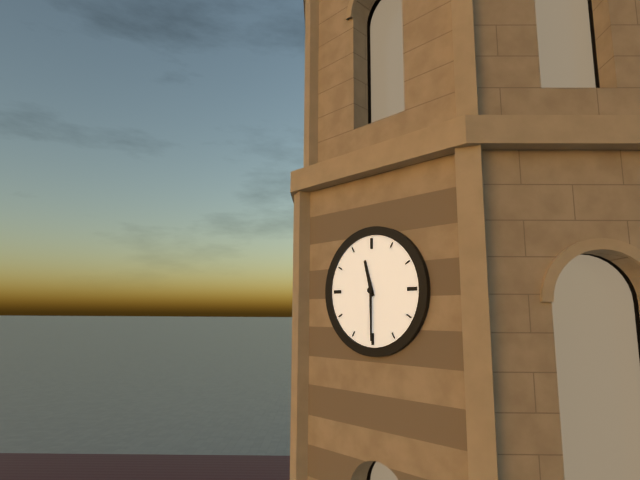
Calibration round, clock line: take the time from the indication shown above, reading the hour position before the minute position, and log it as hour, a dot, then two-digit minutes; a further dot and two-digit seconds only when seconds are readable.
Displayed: 11.30
